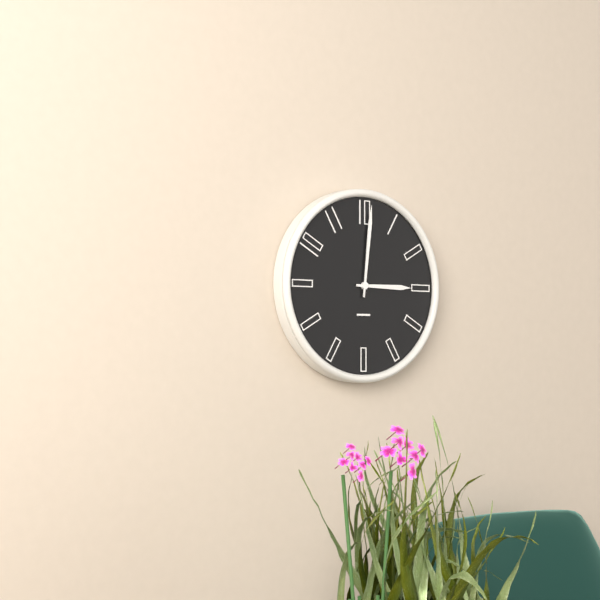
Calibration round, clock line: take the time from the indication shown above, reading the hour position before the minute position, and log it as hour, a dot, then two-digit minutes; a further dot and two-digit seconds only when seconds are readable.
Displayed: 3.01
